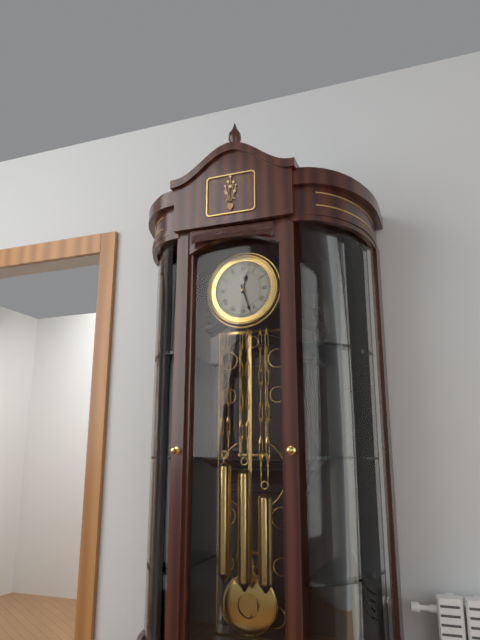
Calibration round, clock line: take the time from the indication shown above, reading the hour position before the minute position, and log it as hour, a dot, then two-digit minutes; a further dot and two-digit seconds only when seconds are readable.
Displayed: 12.27
